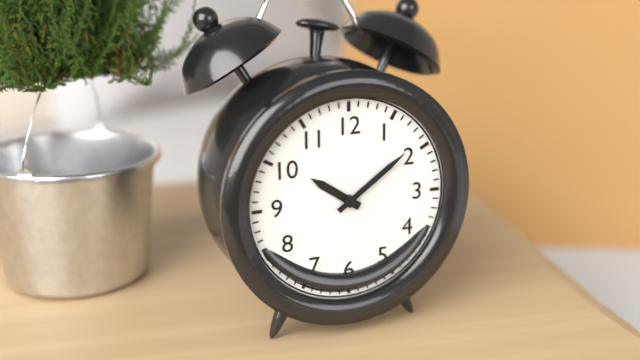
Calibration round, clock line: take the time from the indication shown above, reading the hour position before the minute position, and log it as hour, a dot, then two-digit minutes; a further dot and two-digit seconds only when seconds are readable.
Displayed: 10.09
